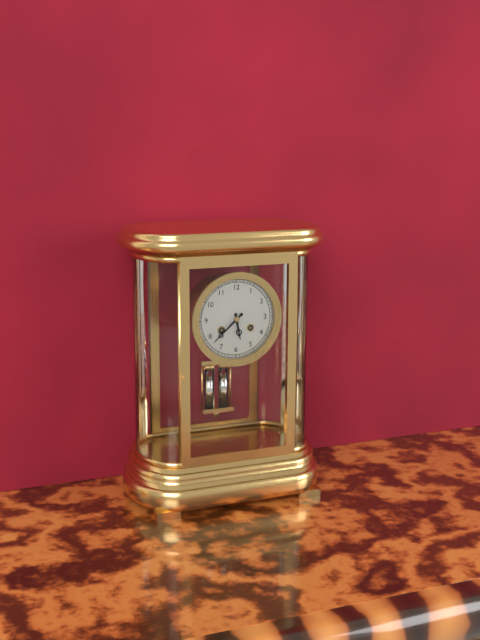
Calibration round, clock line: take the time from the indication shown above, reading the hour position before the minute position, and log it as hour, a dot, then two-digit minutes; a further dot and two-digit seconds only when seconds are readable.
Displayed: 5.38
